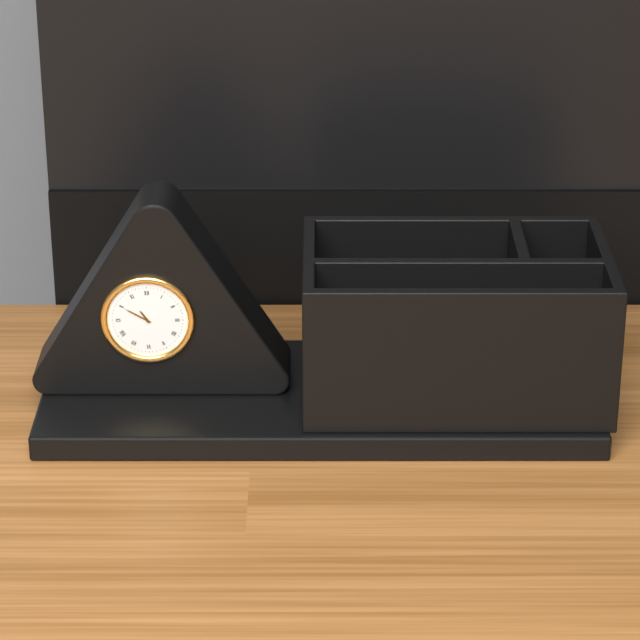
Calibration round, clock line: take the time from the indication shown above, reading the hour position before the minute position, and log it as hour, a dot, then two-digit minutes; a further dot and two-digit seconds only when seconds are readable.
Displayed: 10.50
